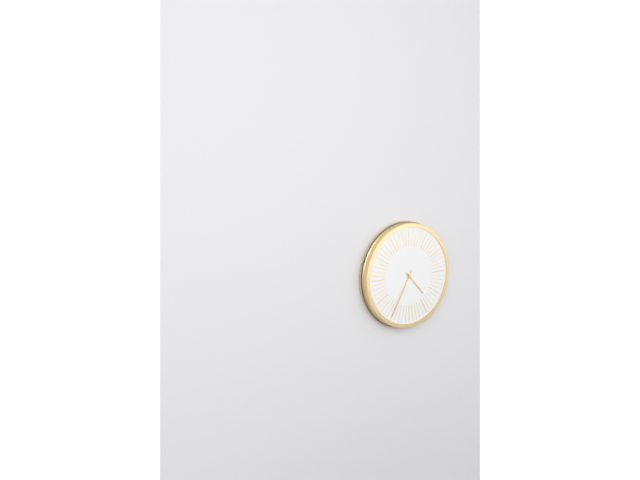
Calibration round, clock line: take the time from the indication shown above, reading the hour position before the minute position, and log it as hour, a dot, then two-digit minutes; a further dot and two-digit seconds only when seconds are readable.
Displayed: 4.35
